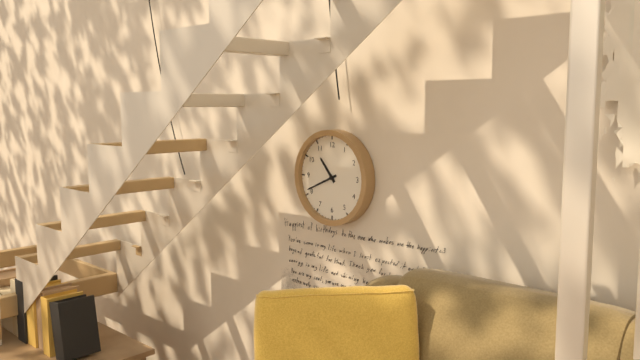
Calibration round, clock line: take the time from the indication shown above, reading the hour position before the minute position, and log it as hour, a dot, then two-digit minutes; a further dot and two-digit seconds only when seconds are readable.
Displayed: 10.41
